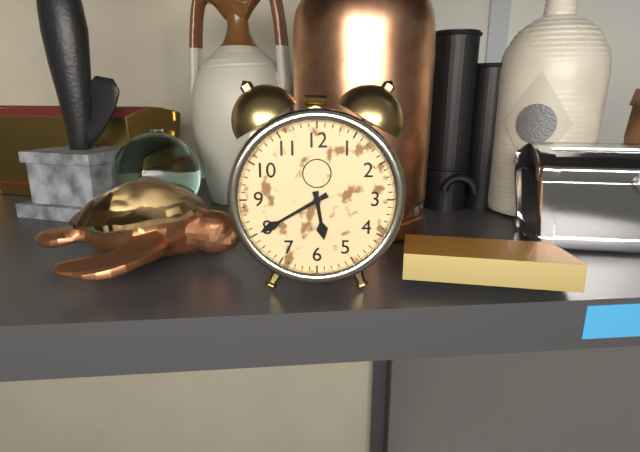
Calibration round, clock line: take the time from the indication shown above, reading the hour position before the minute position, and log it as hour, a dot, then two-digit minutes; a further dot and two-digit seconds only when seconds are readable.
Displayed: 5.40
